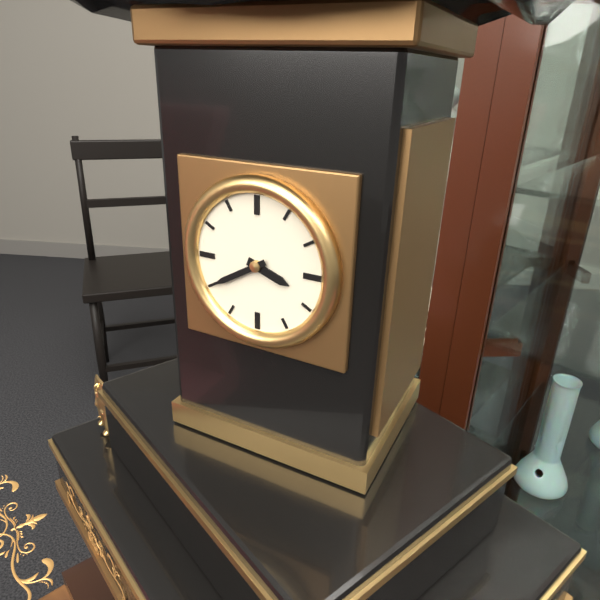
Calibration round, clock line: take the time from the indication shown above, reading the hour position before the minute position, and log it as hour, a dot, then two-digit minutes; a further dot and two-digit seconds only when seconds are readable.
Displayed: 3.40
